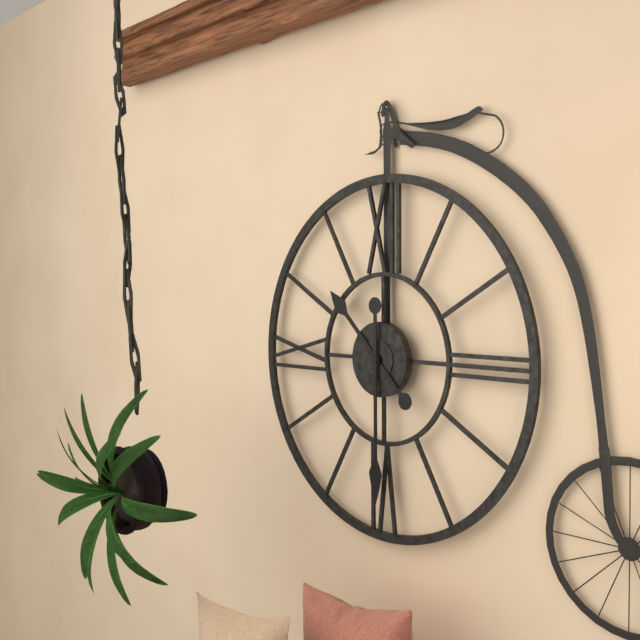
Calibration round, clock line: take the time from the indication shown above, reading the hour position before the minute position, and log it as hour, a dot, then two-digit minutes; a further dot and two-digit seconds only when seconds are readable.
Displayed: 10.30
